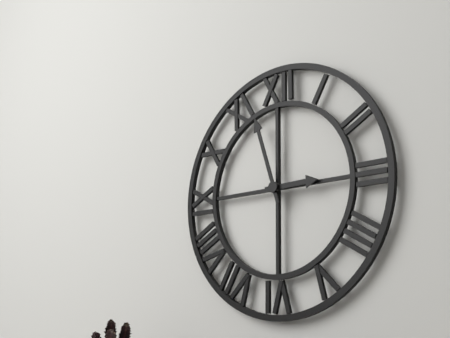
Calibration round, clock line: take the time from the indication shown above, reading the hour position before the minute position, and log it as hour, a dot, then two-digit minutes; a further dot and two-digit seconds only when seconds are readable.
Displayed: 2.57
